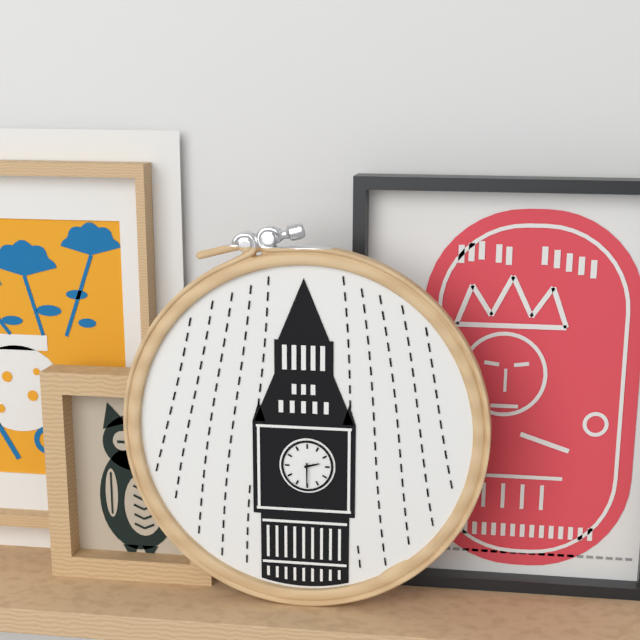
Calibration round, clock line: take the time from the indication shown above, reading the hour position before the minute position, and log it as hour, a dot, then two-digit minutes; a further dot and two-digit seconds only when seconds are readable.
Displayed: 2.30
